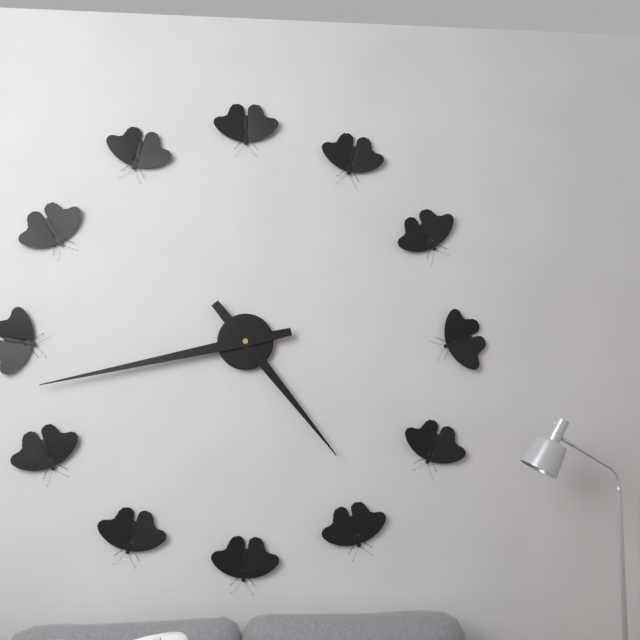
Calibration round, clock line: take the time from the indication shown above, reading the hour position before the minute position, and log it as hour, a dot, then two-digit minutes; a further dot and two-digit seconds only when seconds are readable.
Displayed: 4.43
